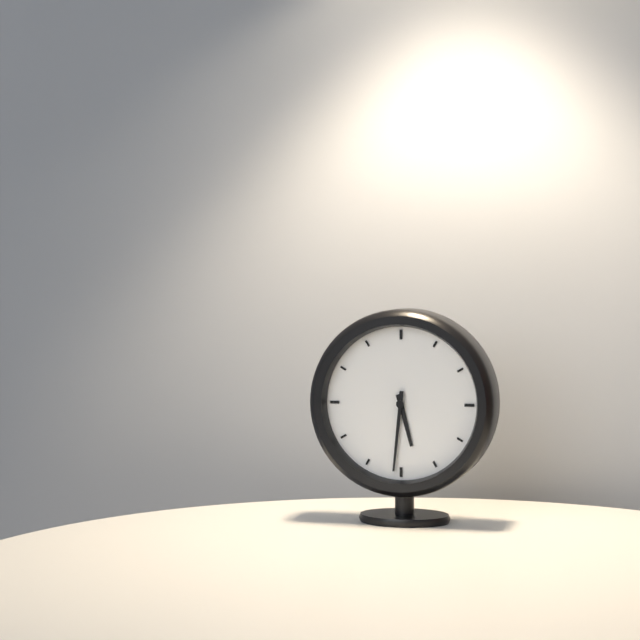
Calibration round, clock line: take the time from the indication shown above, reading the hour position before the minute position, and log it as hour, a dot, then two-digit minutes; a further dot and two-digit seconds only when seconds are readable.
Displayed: 5.31
